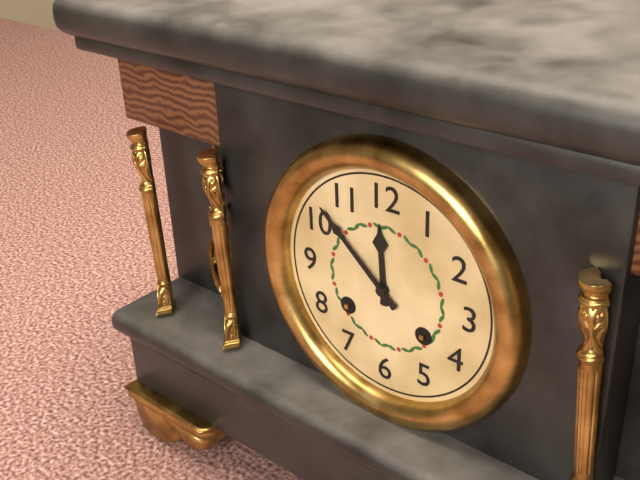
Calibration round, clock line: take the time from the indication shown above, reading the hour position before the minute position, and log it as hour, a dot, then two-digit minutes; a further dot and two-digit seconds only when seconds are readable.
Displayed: 11.52
